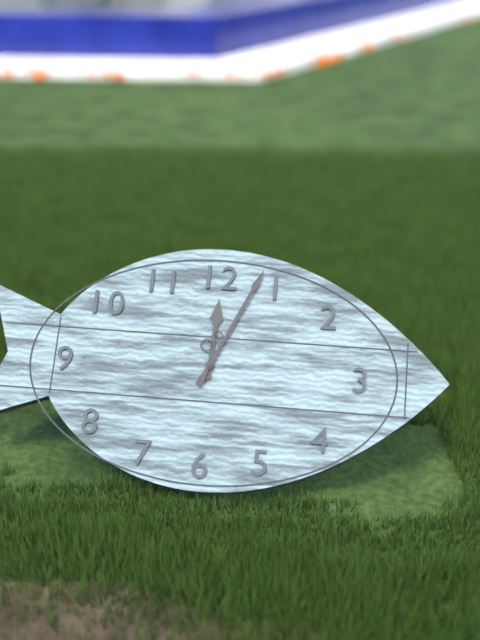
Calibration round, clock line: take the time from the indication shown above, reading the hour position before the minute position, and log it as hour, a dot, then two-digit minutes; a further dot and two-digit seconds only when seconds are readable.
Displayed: 12.04
